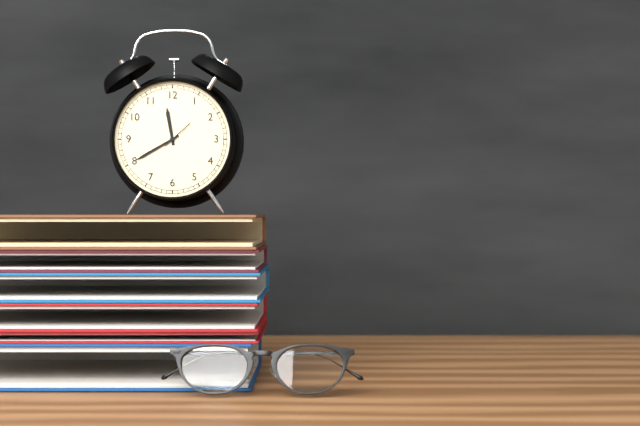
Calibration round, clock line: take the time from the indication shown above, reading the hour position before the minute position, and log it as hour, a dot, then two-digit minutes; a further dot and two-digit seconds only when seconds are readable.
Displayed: 11.40
